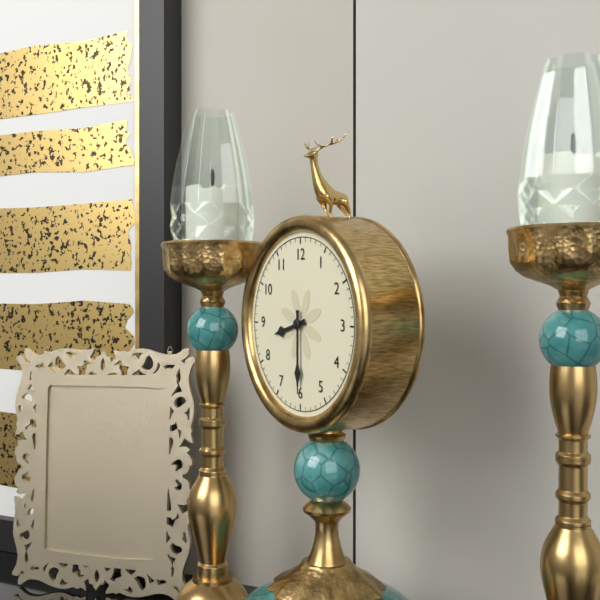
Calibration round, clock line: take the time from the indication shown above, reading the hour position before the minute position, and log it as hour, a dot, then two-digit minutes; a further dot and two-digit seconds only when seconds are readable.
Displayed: 8.30
